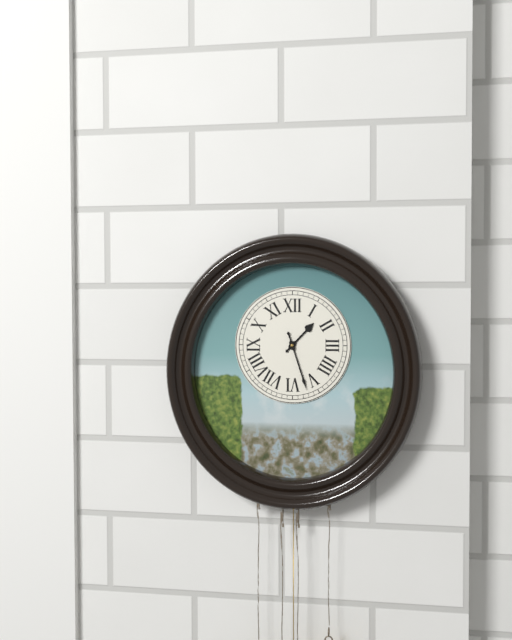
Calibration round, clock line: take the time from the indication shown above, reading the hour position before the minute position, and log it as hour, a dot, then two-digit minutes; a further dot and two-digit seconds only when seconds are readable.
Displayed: 1.27
